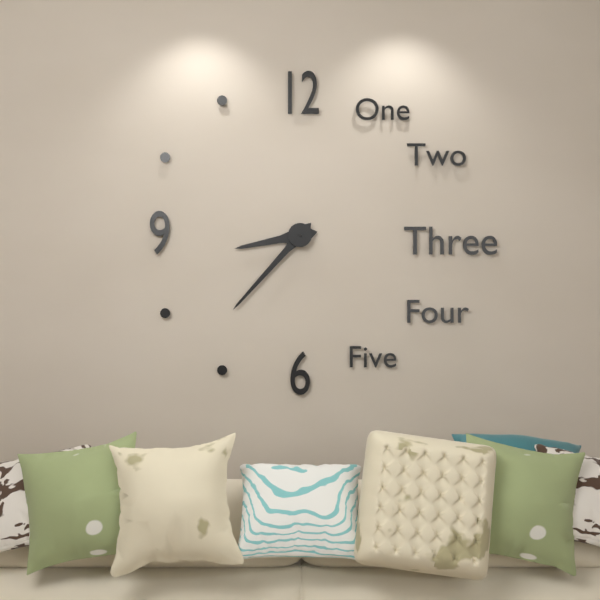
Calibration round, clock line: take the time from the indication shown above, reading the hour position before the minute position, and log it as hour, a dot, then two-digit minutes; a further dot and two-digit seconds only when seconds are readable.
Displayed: 8.37
